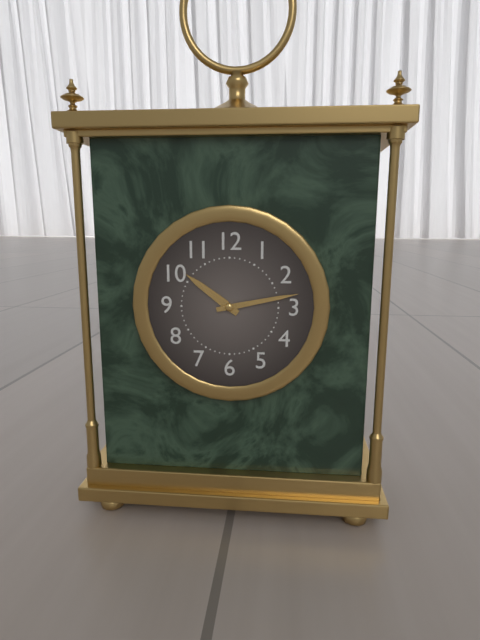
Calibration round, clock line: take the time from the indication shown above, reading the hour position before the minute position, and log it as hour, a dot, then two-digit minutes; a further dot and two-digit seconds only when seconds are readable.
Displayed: 10.13
